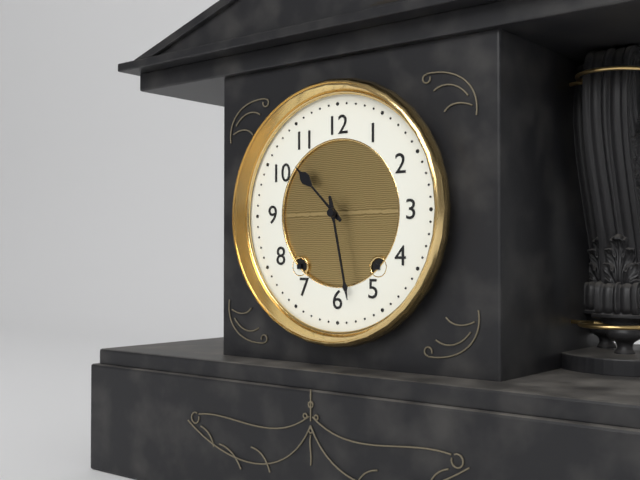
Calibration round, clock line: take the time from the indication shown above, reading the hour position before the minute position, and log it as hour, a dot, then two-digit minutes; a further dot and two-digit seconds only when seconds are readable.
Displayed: 10.28
